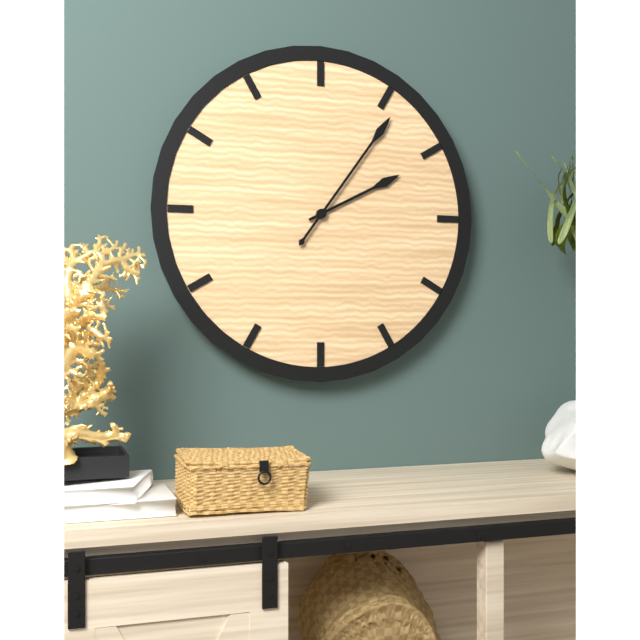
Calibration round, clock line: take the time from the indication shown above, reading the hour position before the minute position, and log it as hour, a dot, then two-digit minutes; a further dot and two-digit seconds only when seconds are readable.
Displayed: 2.06
